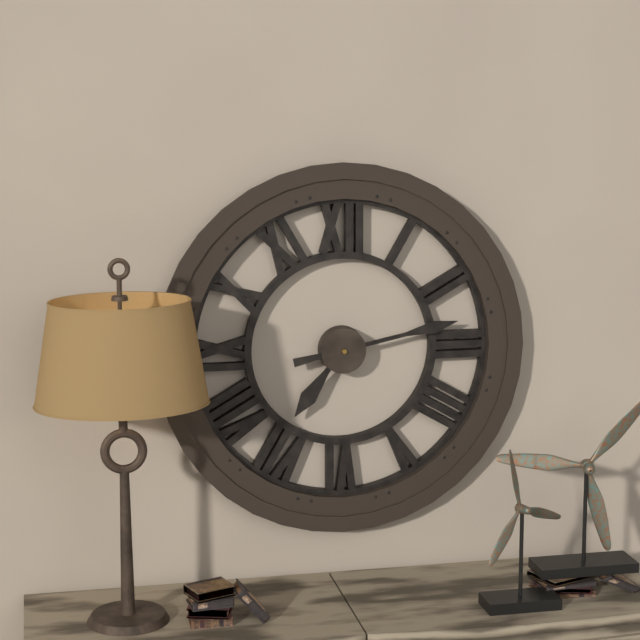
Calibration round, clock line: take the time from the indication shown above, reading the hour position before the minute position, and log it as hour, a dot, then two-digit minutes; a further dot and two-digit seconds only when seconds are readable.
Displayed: 7.13
